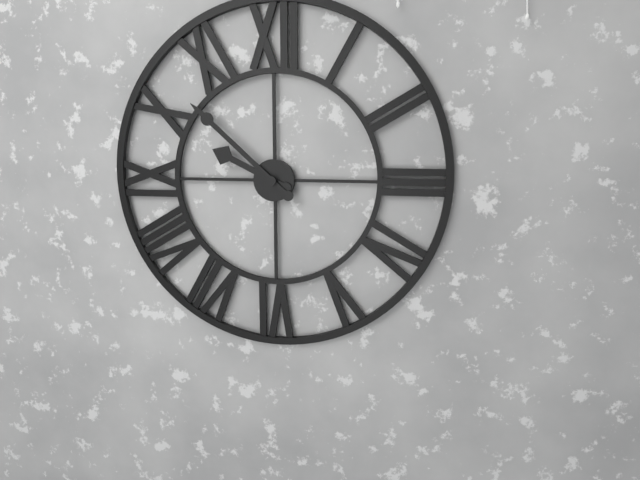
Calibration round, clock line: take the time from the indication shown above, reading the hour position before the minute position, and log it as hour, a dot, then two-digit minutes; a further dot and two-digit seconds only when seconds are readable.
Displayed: 9.52
